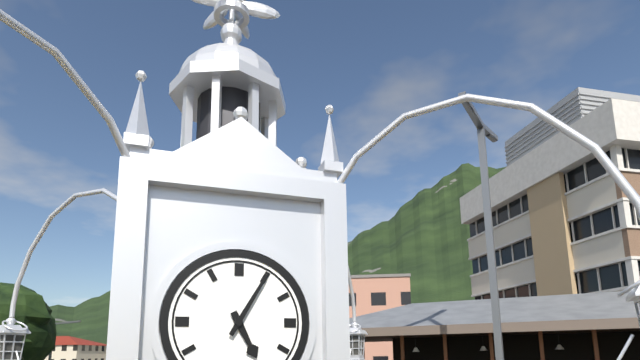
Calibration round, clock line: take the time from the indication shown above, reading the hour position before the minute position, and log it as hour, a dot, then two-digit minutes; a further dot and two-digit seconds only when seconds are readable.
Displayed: 5.05
